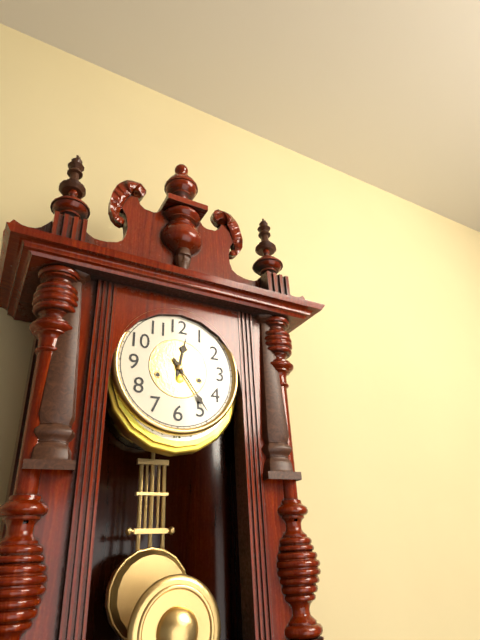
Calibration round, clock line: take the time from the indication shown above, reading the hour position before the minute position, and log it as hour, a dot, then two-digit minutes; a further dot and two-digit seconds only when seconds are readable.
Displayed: 12.24
